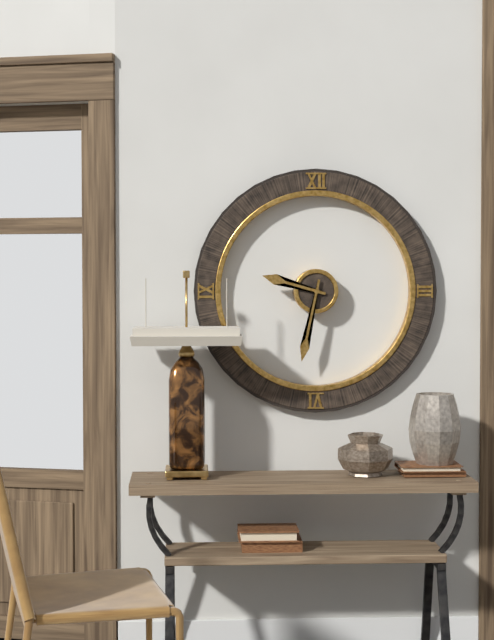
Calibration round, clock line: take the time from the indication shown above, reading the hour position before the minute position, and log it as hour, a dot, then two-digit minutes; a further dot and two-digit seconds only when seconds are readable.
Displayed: 9.32
